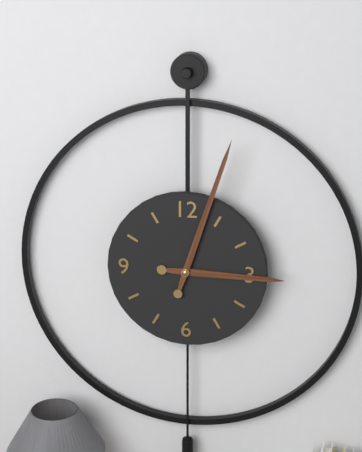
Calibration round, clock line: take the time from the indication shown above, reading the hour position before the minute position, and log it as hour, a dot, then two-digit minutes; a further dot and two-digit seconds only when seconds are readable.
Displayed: 3.03
